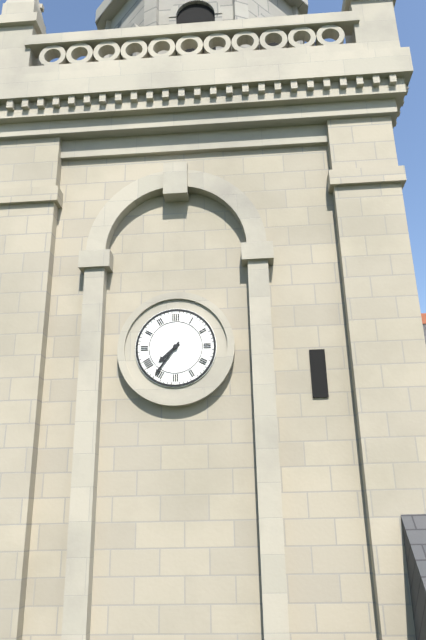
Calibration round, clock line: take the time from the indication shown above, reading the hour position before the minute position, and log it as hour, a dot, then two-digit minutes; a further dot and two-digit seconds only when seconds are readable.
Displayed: 7.36
